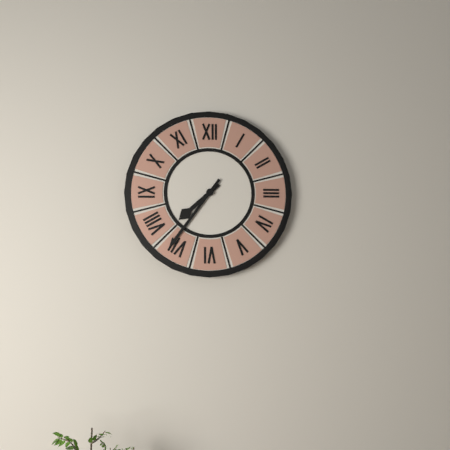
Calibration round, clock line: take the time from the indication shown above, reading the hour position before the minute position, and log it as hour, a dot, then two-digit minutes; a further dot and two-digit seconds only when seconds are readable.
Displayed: 7.36
